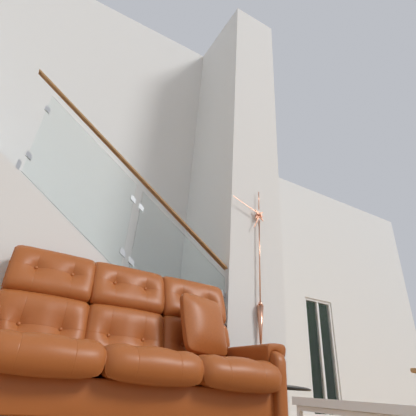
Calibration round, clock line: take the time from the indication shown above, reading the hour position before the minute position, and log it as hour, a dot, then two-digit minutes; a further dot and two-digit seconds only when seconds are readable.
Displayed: 6.48
